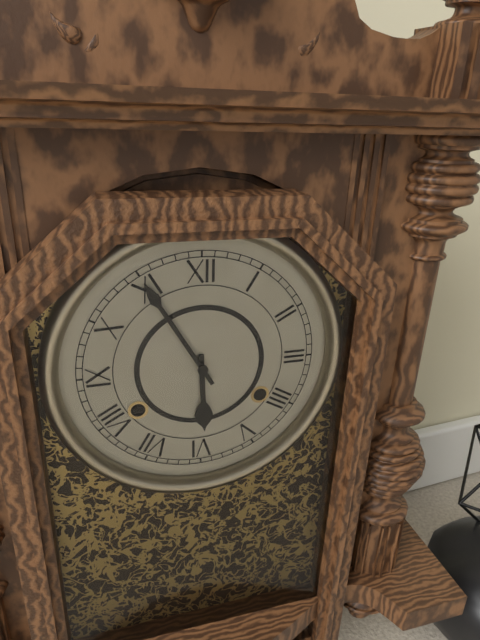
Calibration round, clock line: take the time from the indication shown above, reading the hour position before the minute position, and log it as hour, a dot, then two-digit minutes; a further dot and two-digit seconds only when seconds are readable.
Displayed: 5.55
